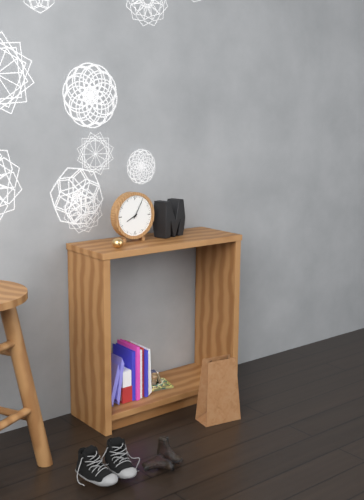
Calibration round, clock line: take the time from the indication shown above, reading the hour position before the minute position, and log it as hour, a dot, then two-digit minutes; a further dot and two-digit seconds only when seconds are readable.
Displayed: 8.05
